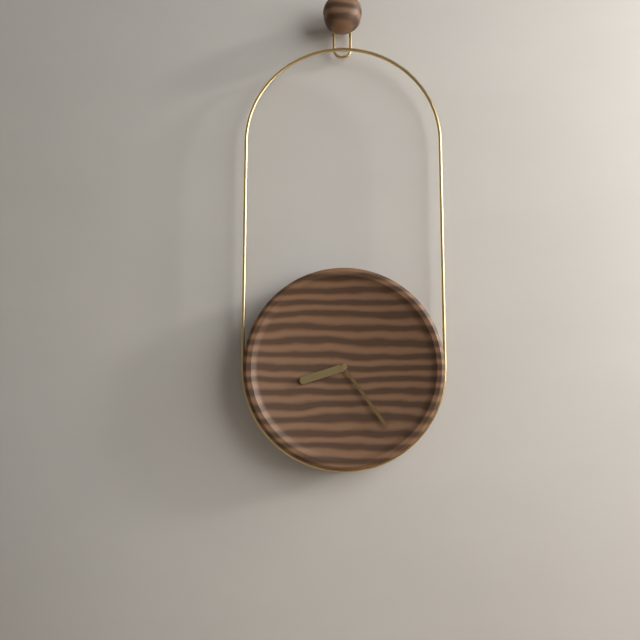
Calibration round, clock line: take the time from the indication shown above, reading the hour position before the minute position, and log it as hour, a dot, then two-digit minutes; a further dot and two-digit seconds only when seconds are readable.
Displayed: 8.24
